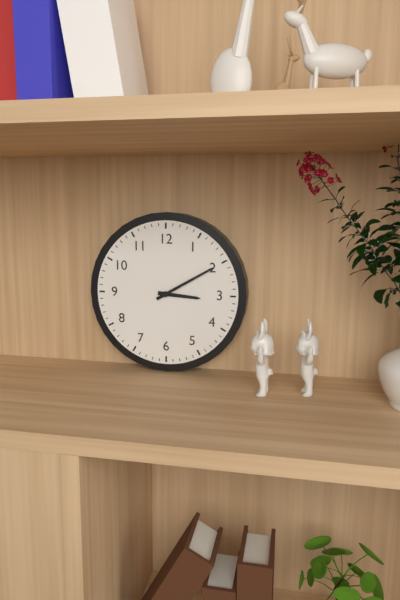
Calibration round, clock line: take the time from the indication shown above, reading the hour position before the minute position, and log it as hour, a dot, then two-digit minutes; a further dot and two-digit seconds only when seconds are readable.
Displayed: 3.10
